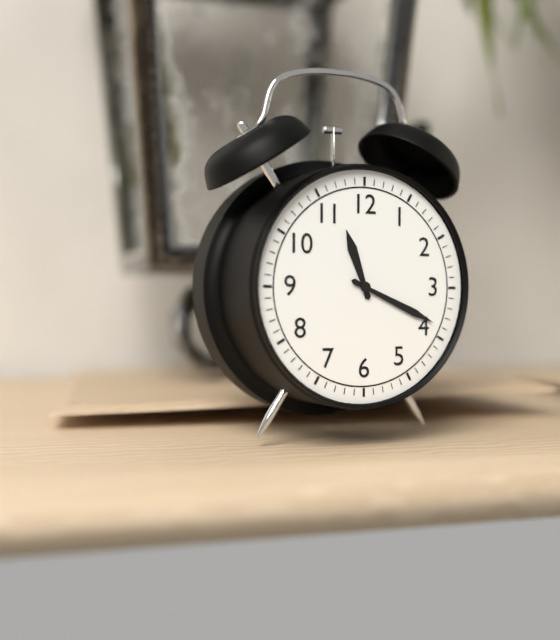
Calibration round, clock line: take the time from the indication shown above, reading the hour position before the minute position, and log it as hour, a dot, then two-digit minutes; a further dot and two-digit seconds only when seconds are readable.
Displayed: 11.19
